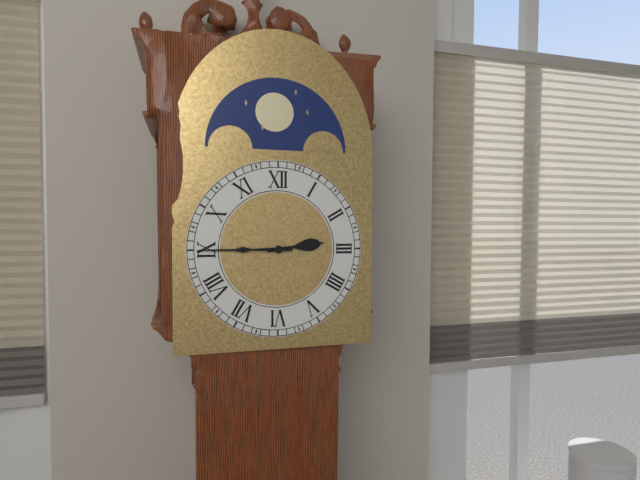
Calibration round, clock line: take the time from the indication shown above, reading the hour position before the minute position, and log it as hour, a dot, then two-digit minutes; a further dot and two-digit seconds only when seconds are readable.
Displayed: 2.45
